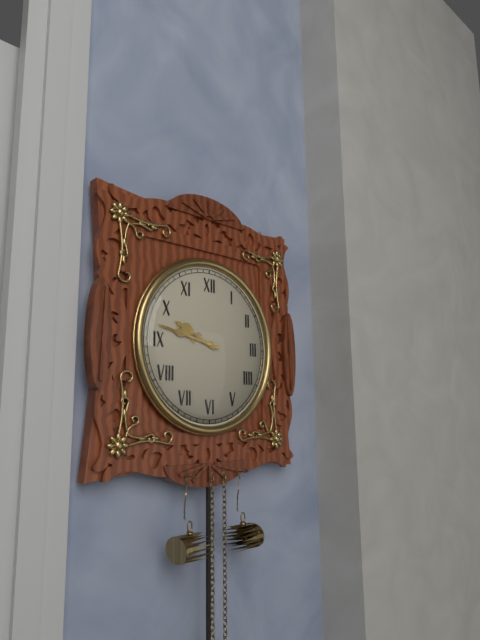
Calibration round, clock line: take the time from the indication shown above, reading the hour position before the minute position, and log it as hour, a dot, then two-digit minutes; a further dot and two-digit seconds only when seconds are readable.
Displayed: 9.47
